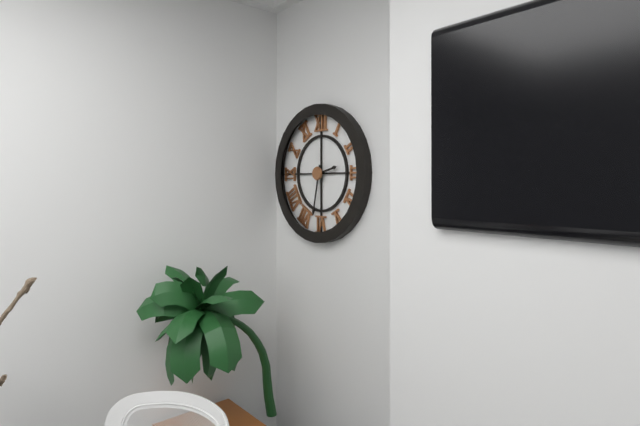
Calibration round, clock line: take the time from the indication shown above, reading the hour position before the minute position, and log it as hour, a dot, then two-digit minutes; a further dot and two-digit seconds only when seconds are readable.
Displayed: 2.32
